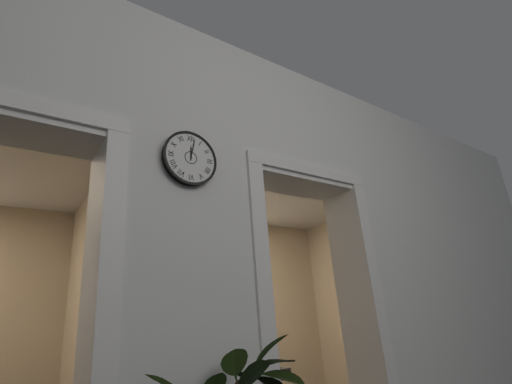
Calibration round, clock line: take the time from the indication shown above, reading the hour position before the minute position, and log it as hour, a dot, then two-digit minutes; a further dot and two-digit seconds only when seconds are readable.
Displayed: 12.02
